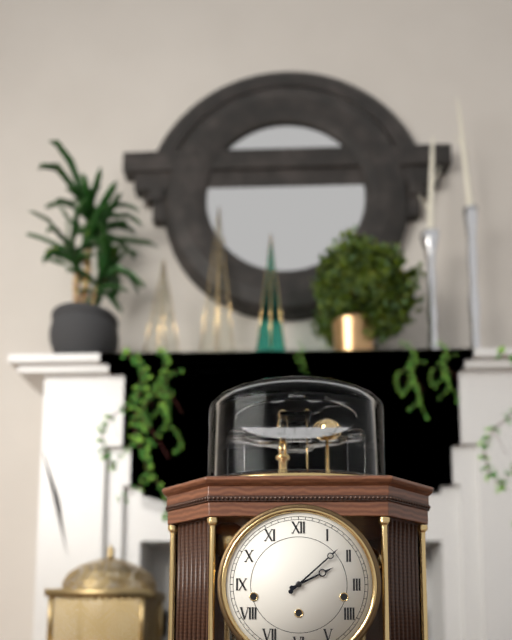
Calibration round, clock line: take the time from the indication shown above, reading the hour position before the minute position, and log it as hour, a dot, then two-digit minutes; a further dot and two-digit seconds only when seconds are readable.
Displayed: 2.08
